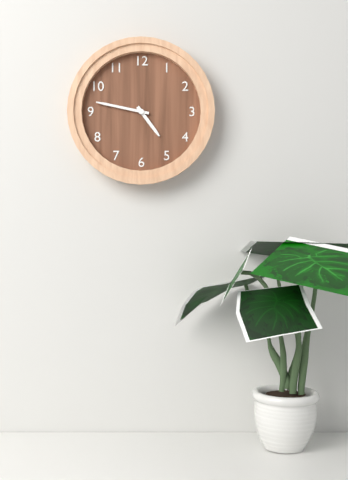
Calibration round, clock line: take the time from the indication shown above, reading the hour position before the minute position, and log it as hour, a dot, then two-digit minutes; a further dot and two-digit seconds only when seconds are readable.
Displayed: 4.47
